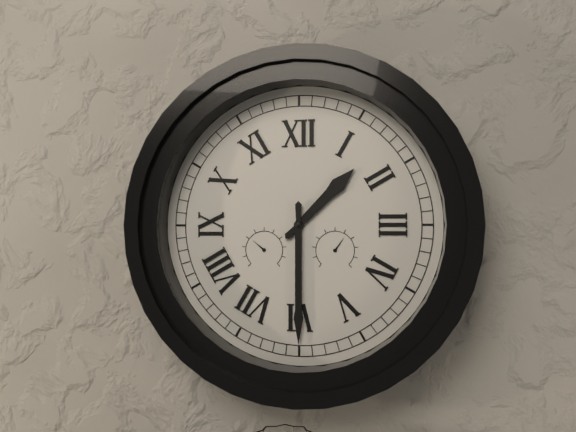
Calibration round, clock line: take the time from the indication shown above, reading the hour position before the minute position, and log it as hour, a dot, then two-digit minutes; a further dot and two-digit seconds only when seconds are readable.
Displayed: 1.30
